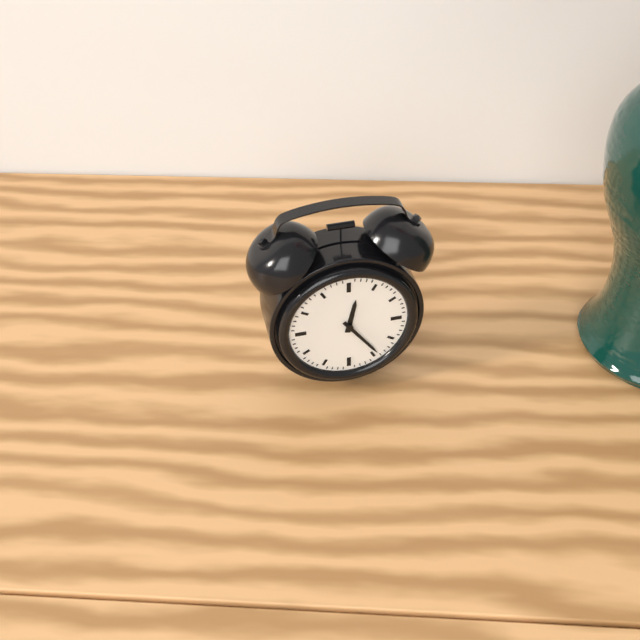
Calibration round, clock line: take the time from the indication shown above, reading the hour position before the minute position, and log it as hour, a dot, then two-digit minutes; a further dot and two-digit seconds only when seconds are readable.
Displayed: 12.24
